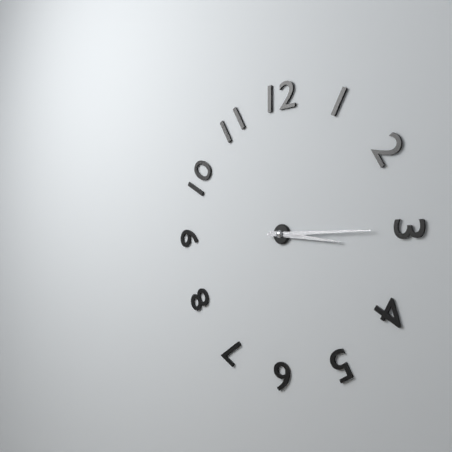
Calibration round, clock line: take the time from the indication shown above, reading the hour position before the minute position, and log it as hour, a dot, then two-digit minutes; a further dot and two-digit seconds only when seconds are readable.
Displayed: 3.15
